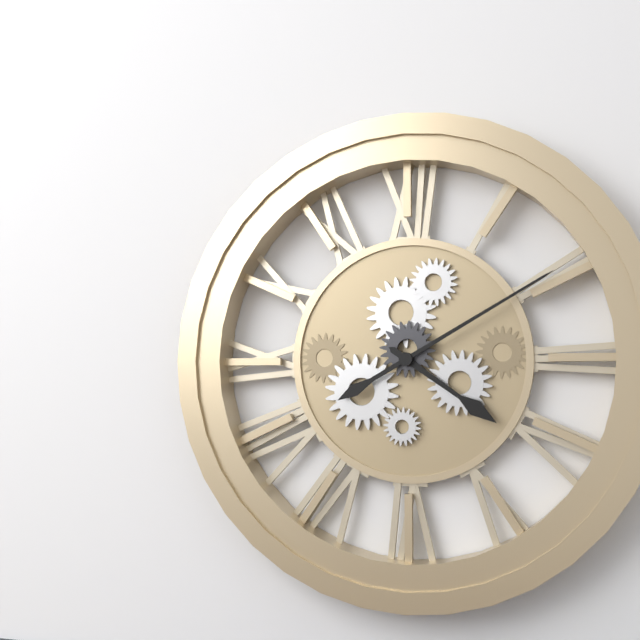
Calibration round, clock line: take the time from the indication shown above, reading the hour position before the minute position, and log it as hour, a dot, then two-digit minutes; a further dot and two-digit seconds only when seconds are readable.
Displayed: 4.10
